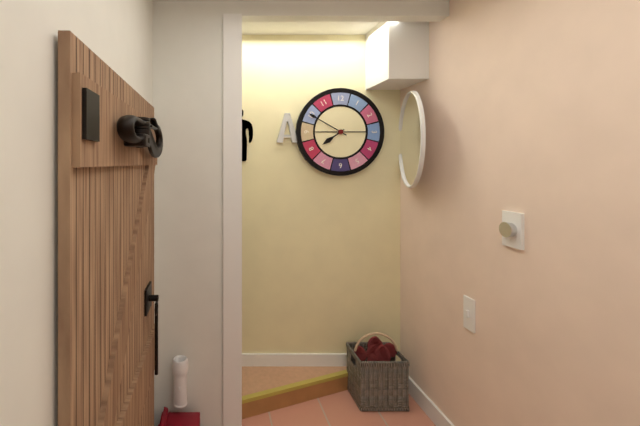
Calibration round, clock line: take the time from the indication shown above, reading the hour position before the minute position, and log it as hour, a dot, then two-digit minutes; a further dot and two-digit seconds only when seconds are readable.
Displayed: 7.50
